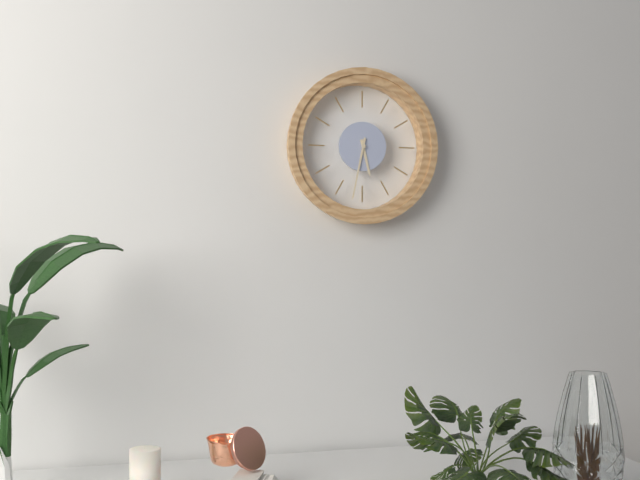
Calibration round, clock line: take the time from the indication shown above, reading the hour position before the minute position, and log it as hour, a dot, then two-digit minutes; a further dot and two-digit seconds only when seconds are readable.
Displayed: 5.32
